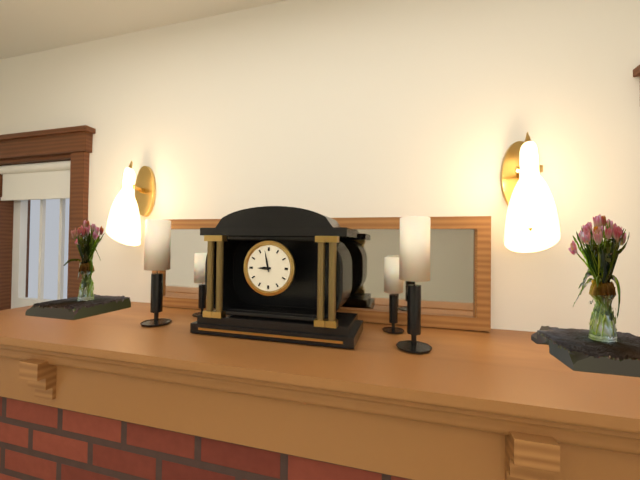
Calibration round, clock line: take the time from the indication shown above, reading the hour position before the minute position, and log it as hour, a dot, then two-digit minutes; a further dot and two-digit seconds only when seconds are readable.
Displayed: 8.58
